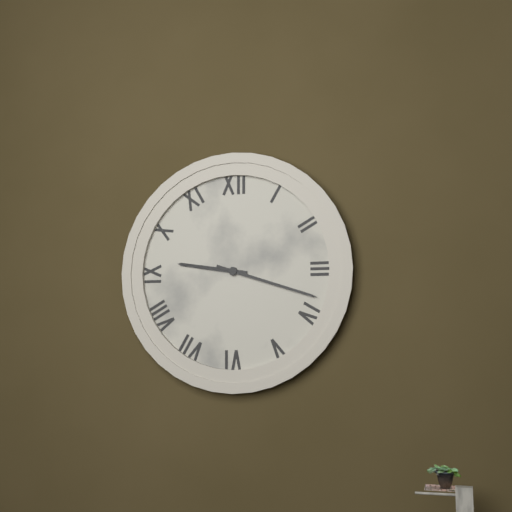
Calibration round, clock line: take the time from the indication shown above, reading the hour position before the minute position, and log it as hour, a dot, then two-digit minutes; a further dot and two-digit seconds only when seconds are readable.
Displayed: 9.18
